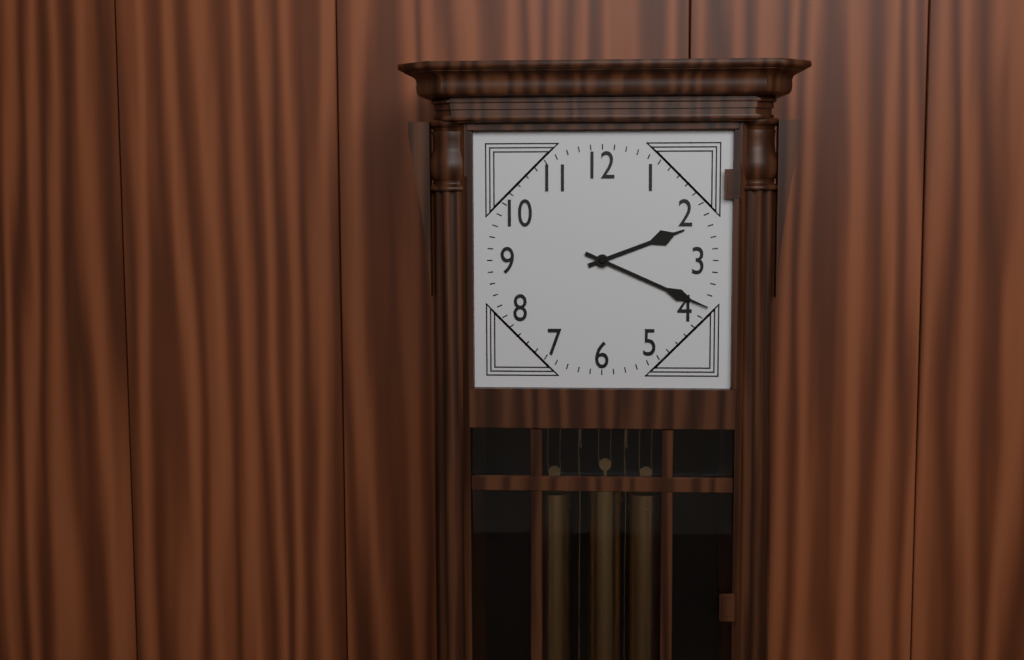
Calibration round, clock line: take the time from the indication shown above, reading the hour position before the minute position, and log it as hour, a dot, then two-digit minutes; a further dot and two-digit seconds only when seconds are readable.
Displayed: 2.19
